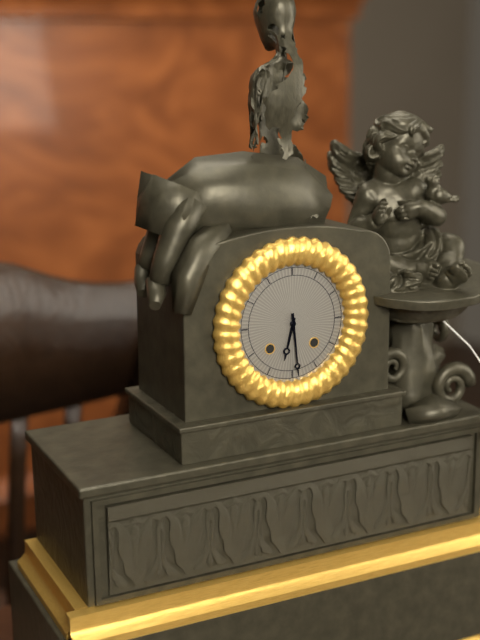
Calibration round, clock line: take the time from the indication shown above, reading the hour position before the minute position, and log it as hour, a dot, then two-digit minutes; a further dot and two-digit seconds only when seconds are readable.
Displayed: 6.29
